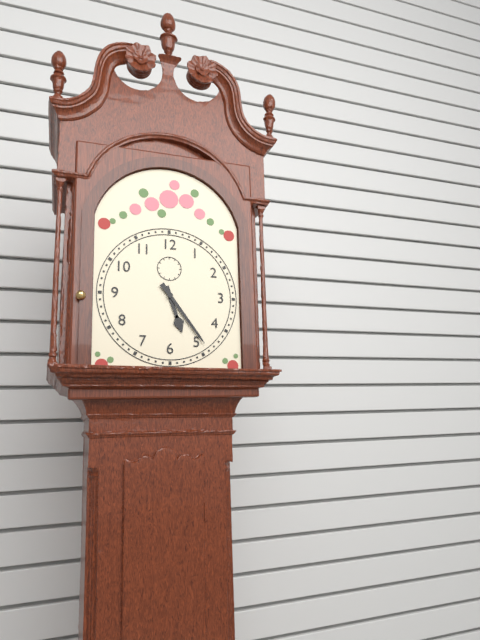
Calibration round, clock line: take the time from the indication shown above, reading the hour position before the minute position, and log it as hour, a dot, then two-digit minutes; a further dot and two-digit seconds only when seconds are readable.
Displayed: 5.24
